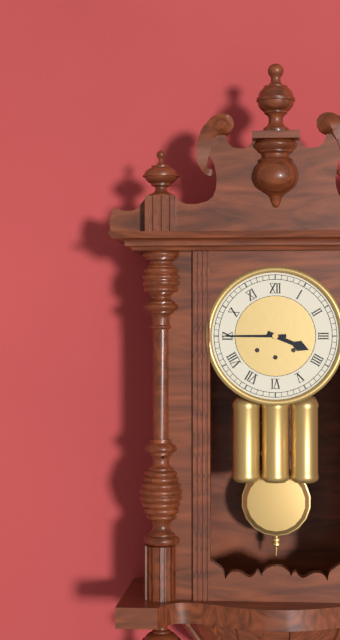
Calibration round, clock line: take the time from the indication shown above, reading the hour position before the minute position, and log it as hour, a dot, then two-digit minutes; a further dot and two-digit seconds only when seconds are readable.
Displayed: 3.45
